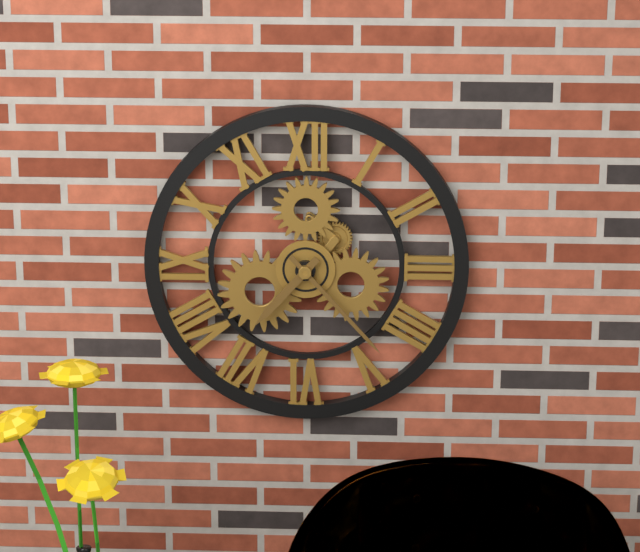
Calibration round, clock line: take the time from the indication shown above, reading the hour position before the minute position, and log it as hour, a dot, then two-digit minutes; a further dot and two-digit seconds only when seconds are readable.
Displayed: 7.23
